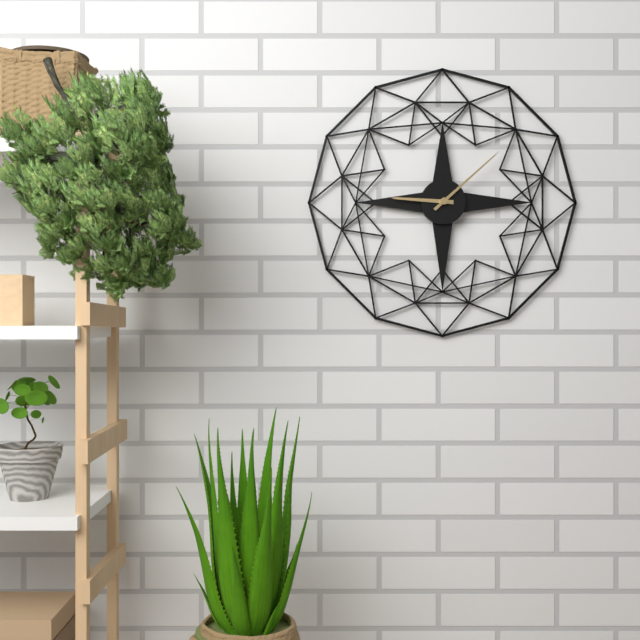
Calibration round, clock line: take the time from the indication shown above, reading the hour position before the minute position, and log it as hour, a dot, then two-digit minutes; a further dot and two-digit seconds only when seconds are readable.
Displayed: 9.08
